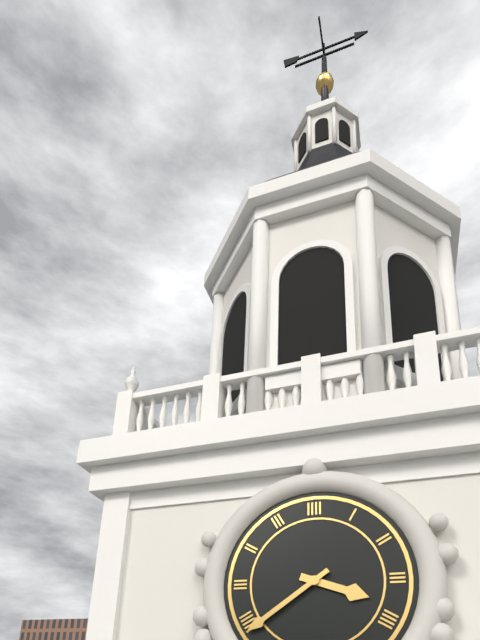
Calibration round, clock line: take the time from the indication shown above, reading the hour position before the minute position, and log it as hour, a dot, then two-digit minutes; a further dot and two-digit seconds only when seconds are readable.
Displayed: 3.39
